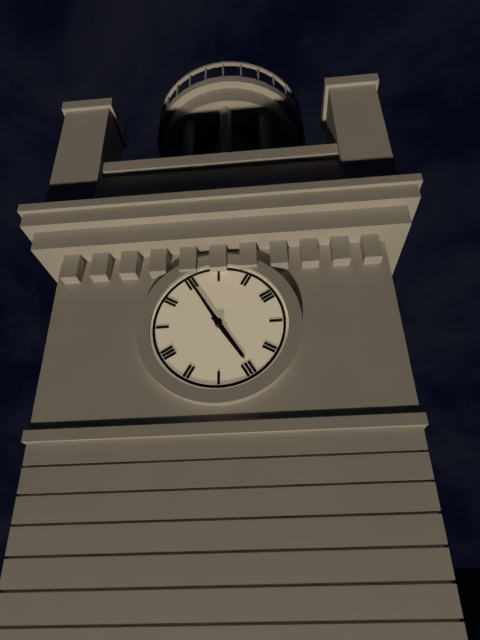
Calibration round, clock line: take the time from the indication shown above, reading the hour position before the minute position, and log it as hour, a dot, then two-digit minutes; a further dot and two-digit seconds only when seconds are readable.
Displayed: 4.55
